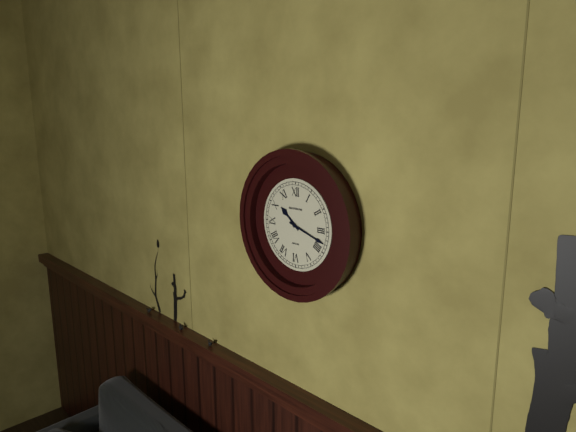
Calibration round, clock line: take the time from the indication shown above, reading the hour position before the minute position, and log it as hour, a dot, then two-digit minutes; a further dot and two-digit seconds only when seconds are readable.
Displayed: 10.18
